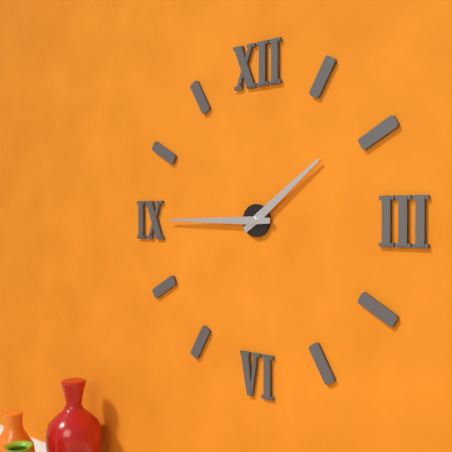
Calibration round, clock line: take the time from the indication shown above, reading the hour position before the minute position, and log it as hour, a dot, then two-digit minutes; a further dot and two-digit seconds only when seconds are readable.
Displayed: 1.45
